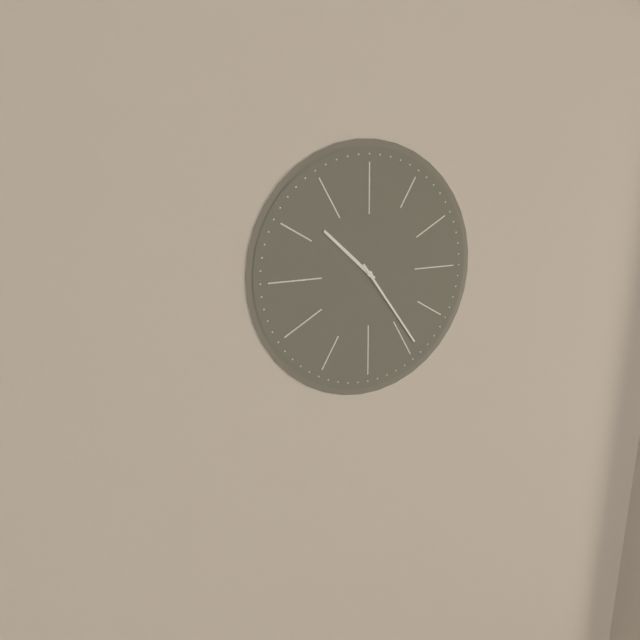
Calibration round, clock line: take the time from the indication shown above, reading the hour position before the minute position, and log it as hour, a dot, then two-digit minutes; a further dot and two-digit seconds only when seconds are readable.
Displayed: 10.24
